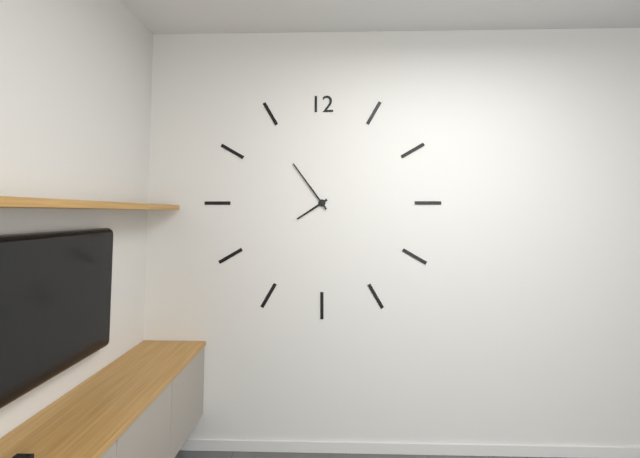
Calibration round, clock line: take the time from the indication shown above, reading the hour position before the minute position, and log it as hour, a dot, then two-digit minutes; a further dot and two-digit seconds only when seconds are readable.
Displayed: 7.54
